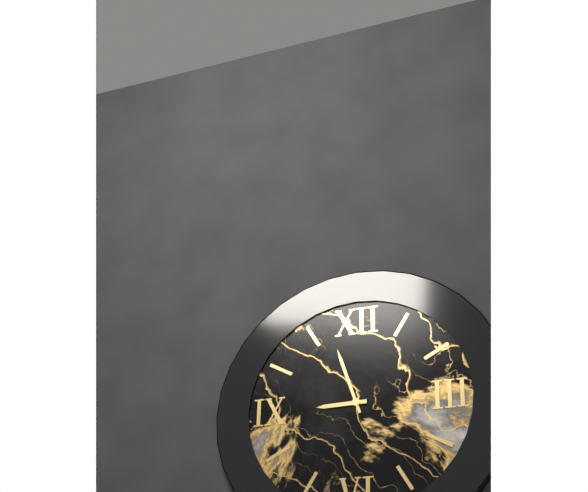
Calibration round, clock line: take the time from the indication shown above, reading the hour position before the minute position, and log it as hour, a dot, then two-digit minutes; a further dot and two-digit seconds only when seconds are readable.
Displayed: 8.57
